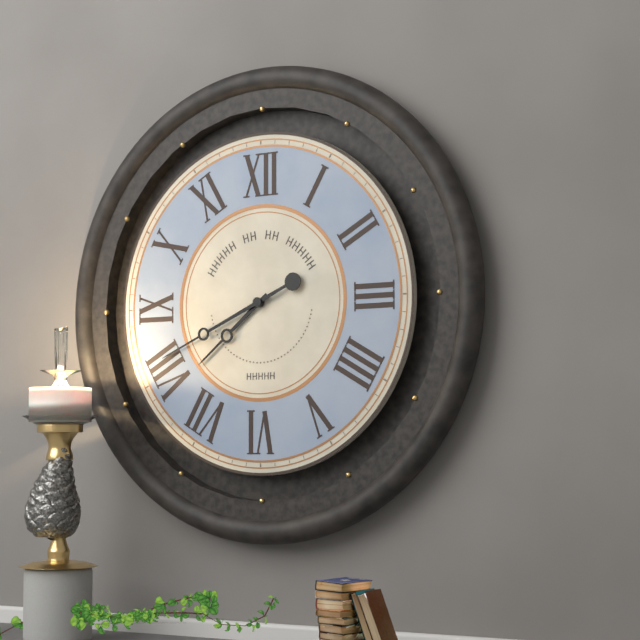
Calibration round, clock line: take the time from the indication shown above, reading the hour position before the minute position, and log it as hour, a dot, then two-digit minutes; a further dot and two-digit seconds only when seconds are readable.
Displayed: 7.41
